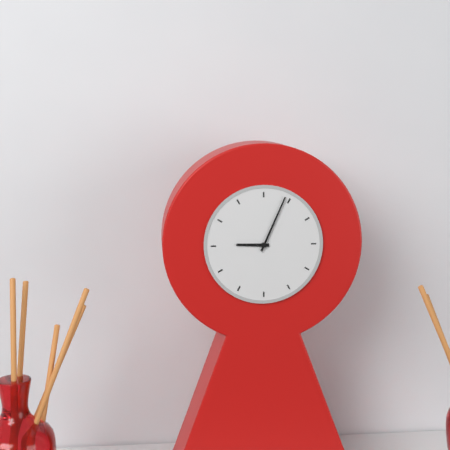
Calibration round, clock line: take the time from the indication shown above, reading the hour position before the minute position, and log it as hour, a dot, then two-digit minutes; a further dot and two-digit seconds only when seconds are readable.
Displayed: 9.04
